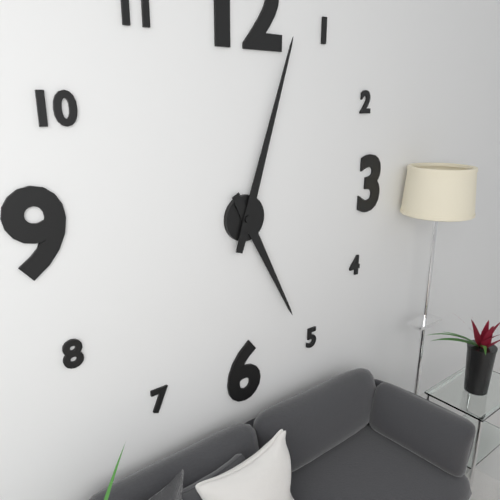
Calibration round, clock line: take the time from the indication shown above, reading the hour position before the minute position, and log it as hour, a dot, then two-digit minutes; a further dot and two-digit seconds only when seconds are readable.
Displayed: 5.03
